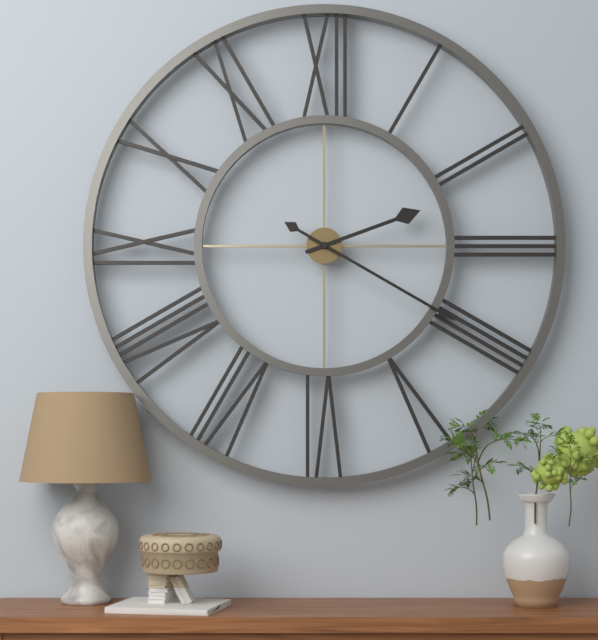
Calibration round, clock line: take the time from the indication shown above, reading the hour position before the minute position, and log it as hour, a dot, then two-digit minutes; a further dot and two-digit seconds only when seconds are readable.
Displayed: 2.20
